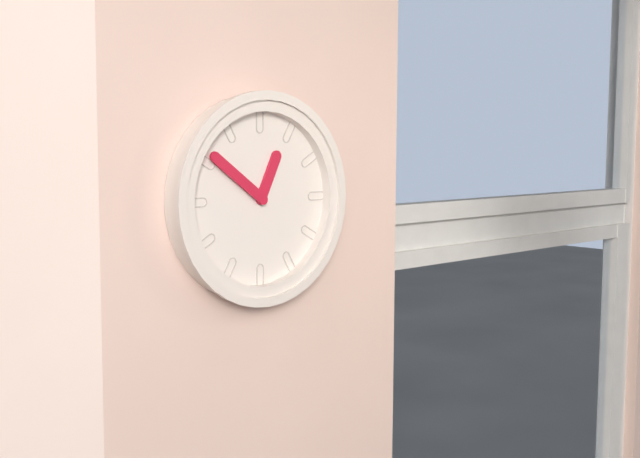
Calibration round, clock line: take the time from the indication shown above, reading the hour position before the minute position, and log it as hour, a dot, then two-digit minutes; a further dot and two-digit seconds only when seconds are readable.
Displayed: 12.51
